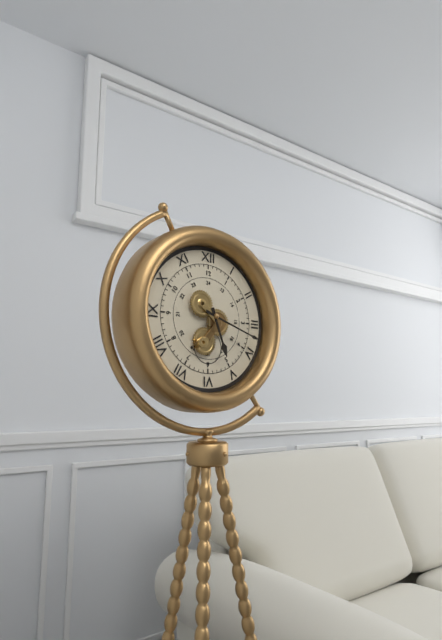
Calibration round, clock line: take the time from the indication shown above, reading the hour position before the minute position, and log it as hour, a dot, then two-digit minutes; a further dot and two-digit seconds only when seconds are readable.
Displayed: 5.18
